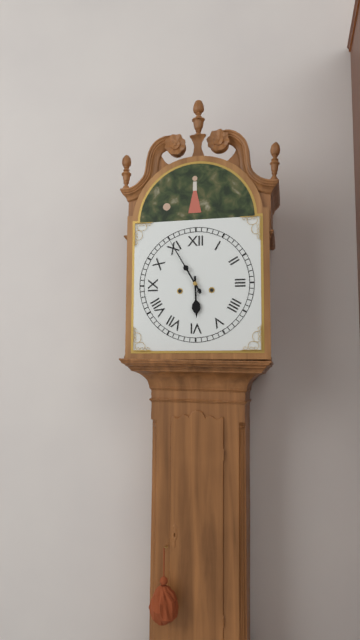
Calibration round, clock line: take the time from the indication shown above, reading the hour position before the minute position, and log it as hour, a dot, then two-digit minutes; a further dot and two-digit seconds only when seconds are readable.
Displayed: 5.55
